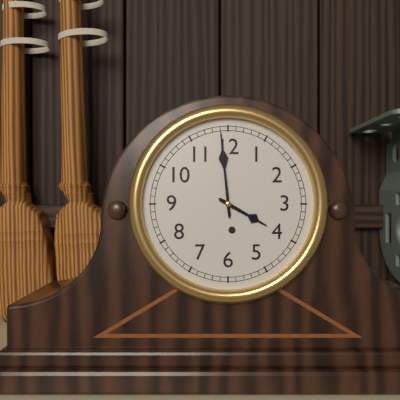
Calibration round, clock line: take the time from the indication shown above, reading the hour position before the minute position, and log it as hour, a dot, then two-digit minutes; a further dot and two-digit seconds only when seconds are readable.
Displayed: 3.59
